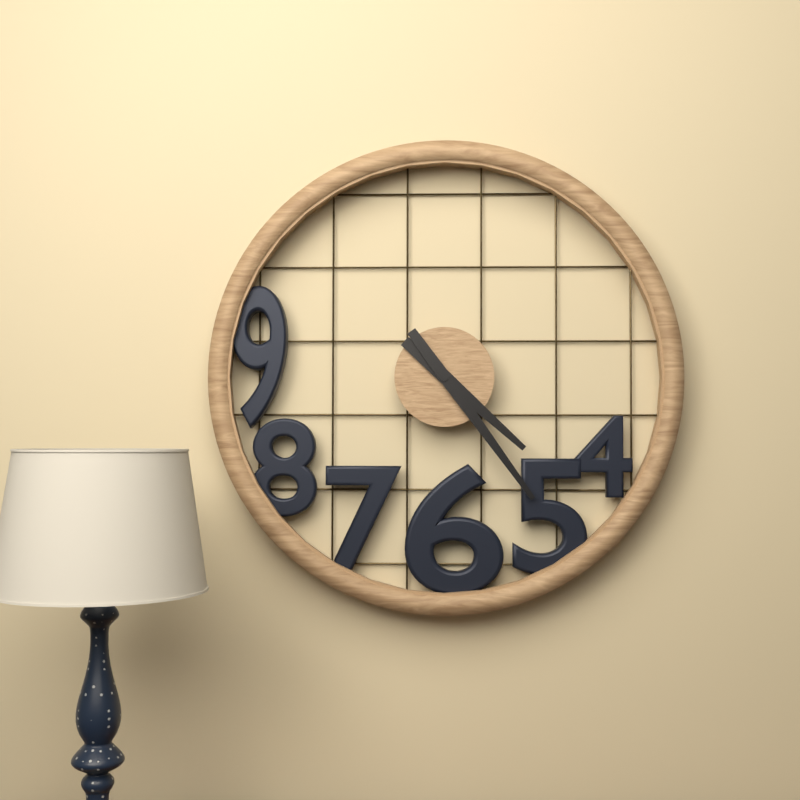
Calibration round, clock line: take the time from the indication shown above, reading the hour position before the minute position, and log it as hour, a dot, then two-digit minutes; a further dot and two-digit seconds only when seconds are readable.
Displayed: 4.24
